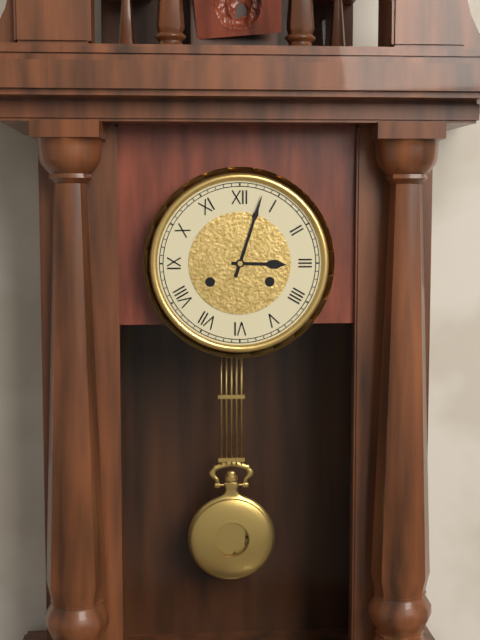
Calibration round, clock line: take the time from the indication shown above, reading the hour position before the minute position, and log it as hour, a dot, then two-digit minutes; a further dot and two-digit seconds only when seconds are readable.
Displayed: 3.03
